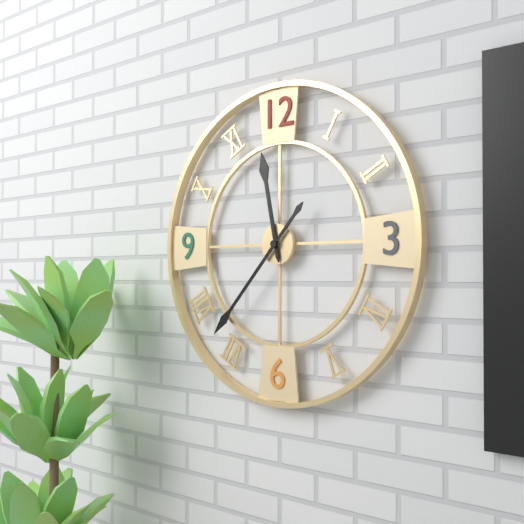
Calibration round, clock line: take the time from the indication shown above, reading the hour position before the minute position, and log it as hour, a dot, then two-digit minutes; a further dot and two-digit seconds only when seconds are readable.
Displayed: 11.37
